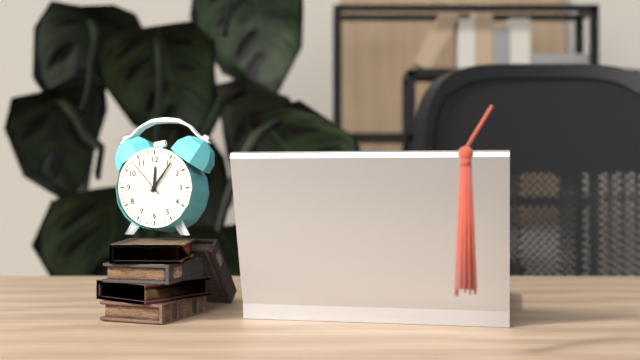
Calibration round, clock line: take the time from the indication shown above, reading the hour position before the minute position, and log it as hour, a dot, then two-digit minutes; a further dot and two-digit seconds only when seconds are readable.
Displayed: 12.06
